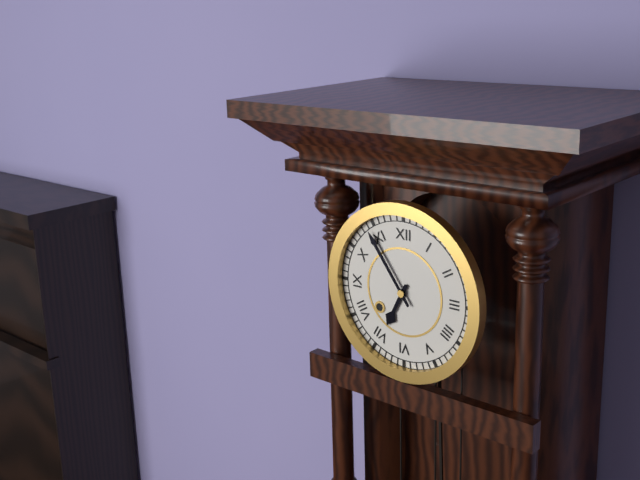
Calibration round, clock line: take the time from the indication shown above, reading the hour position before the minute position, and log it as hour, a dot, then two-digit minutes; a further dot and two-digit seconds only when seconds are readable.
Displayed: 6.54
